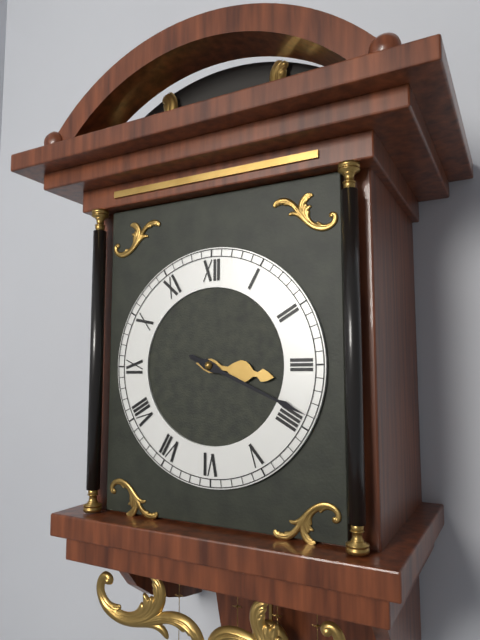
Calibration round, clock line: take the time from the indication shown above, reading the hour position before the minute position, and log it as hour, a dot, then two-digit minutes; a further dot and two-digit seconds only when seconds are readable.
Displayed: 3.19
